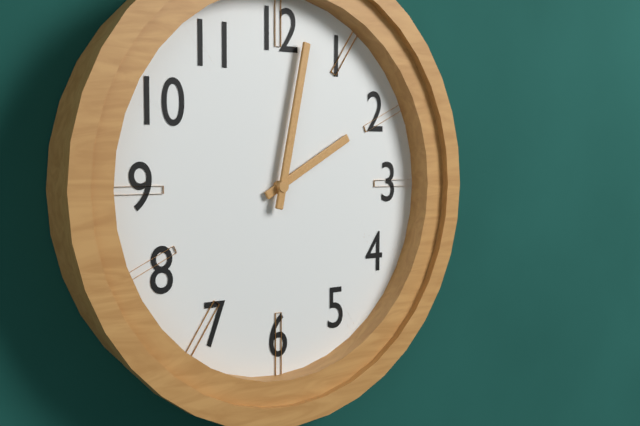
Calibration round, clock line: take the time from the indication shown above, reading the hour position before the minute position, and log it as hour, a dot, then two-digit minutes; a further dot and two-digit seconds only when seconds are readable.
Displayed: 2.02
